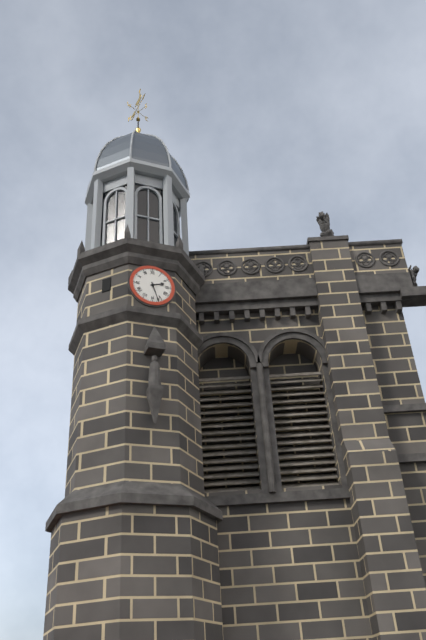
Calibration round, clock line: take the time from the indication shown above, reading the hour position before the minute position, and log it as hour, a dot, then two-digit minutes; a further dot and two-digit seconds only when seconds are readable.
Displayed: 2.27
